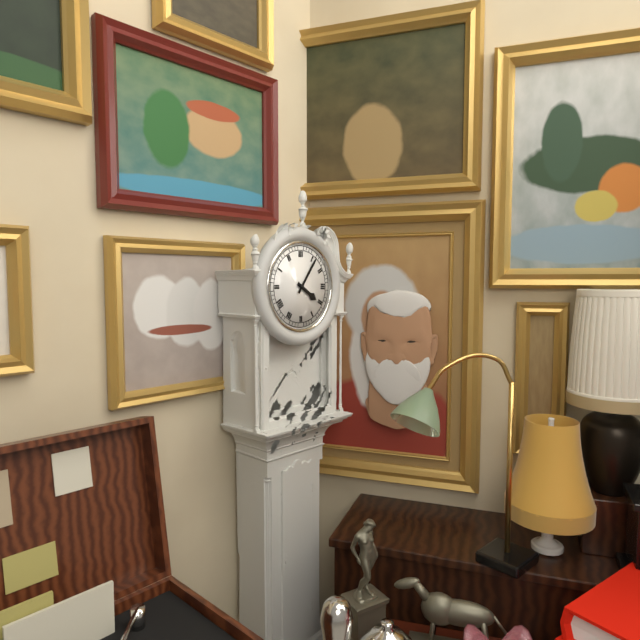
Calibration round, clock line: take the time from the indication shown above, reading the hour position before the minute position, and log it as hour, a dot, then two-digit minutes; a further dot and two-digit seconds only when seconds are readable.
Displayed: 4.06
